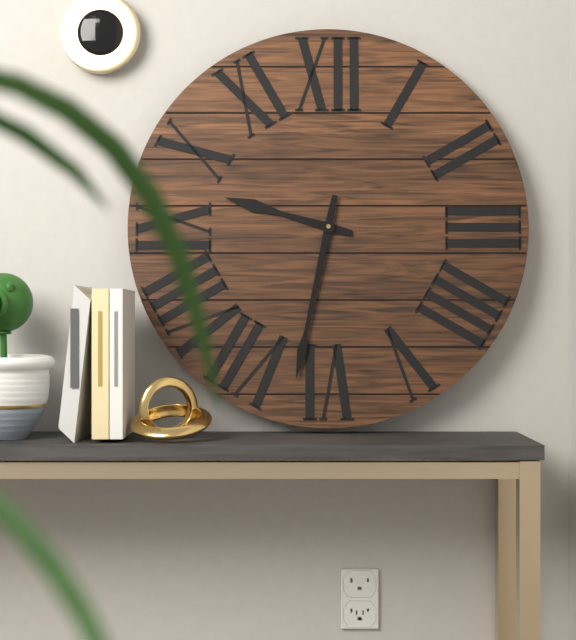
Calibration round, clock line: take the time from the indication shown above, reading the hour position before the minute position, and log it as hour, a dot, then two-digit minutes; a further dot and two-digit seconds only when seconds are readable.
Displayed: 9.32
